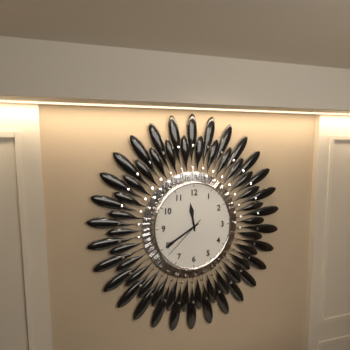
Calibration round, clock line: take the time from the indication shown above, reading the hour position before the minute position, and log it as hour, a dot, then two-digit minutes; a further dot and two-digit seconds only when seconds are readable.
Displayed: 11.40
